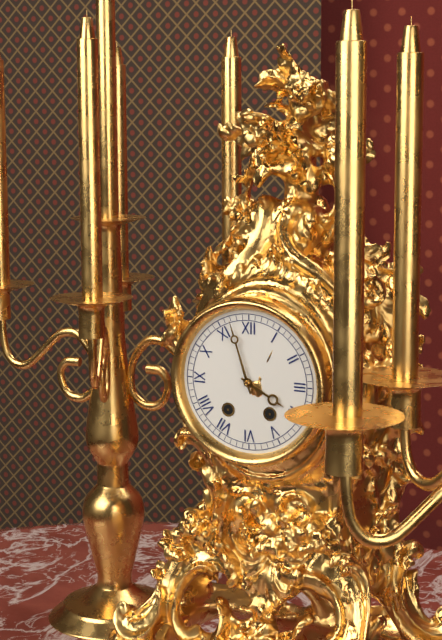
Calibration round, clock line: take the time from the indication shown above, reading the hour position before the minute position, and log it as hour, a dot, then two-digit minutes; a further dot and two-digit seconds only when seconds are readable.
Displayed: 3.57
